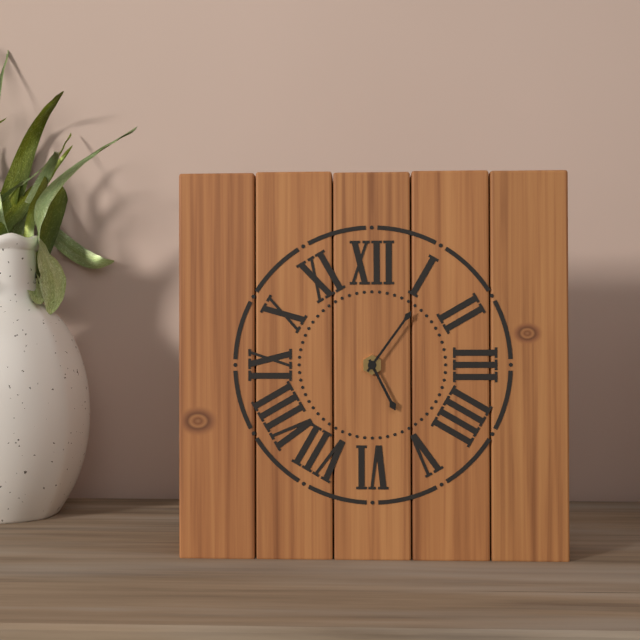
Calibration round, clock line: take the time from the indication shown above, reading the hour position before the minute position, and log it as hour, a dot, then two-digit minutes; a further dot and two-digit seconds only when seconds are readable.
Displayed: 5.06
